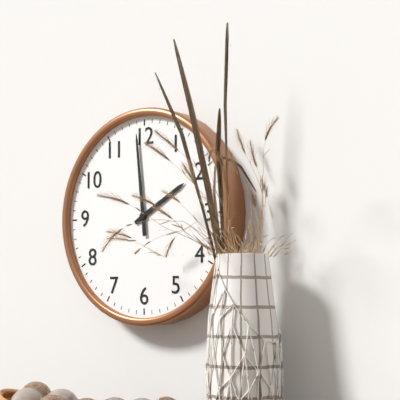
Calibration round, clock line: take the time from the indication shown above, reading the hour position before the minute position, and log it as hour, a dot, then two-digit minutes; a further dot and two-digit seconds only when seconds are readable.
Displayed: 1.59
